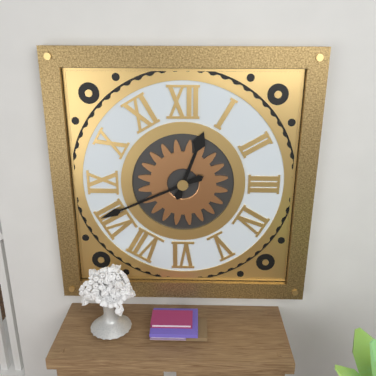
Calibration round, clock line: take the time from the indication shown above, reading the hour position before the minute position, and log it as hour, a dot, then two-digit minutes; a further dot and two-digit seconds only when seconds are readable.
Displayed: 12.41
